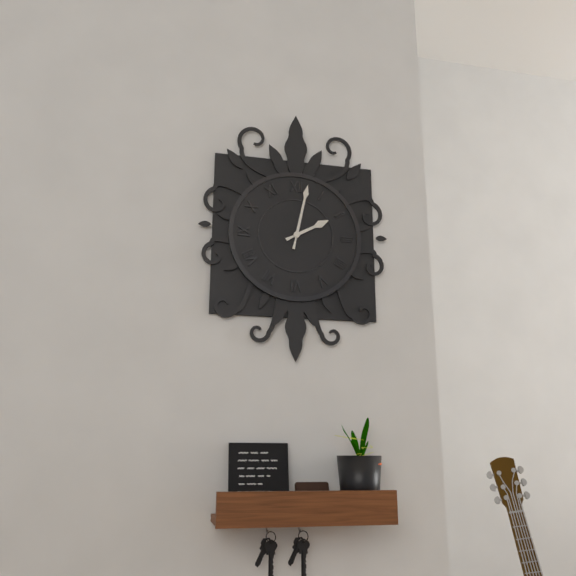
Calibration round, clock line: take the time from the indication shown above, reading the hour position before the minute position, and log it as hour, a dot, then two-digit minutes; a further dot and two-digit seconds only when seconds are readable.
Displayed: 2.02
